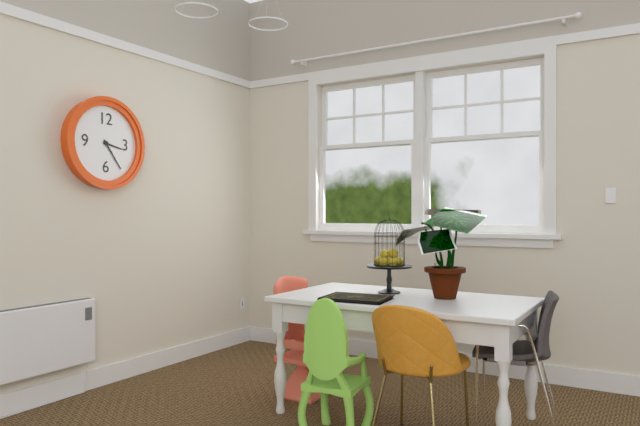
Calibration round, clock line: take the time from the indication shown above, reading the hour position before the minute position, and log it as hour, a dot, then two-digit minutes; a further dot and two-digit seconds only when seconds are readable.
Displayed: 3.24
